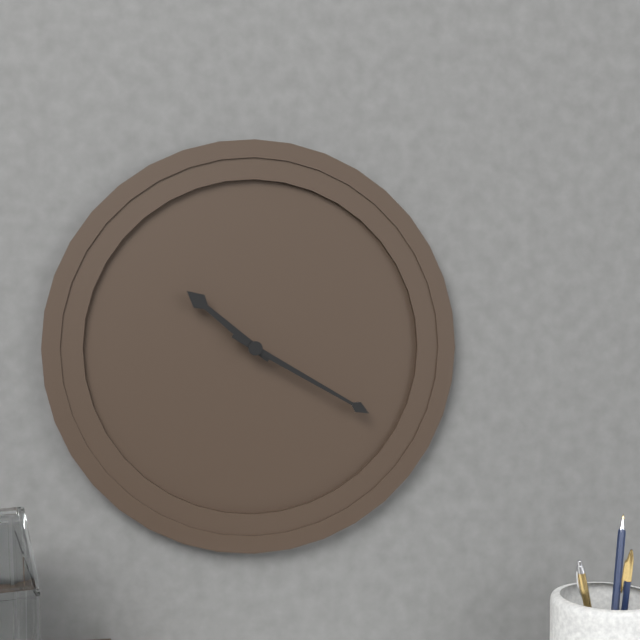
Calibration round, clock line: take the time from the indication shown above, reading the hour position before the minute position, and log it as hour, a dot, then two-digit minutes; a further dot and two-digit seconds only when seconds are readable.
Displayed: 10.20
